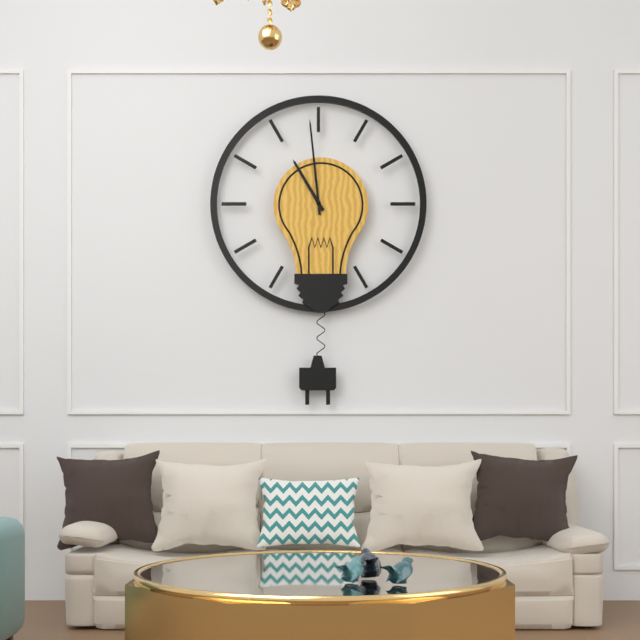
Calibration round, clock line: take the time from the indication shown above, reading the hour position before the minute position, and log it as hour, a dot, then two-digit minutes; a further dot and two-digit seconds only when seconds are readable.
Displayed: 10.59
